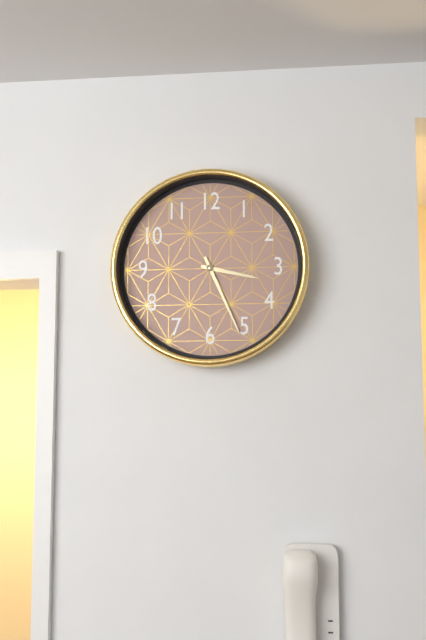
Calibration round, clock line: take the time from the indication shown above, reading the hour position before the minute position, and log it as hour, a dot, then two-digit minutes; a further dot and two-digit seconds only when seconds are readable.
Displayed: 3.26
